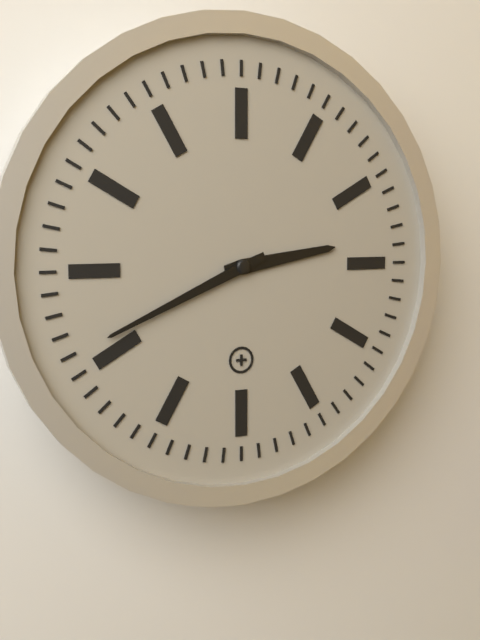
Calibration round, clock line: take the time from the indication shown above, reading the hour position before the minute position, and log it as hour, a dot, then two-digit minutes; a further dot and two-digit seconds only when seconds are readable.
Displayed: 2.41
